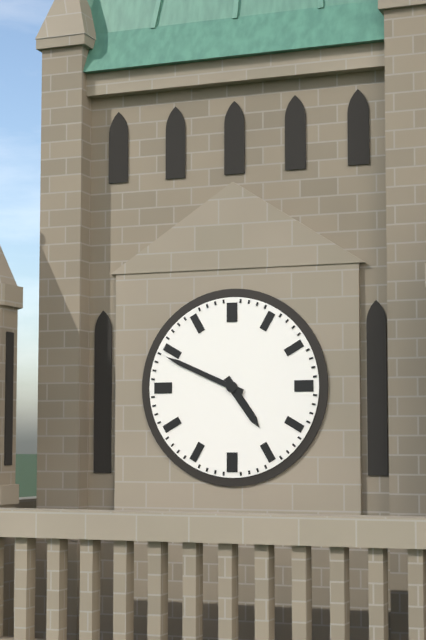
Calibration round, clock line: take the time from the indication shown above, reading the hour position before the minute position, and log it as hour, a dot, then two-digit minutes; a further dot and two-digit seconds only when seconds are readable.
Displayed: 4.49
